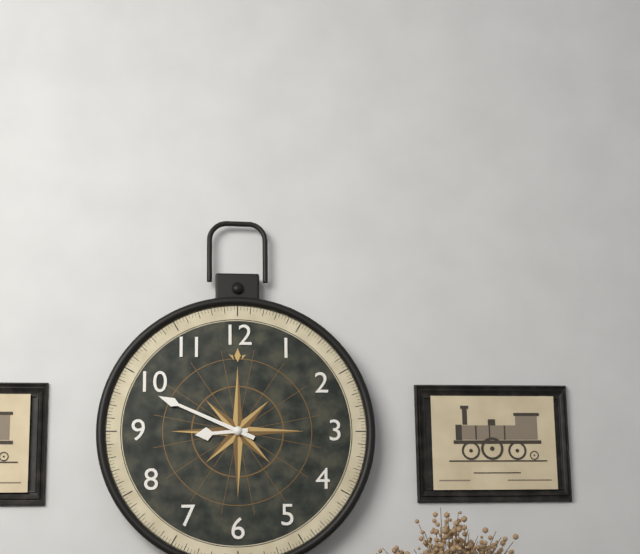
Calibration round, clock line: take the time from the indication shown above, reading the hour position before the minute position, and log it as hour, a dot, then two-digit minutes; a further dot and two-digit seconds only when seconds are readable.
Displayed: 8.49
